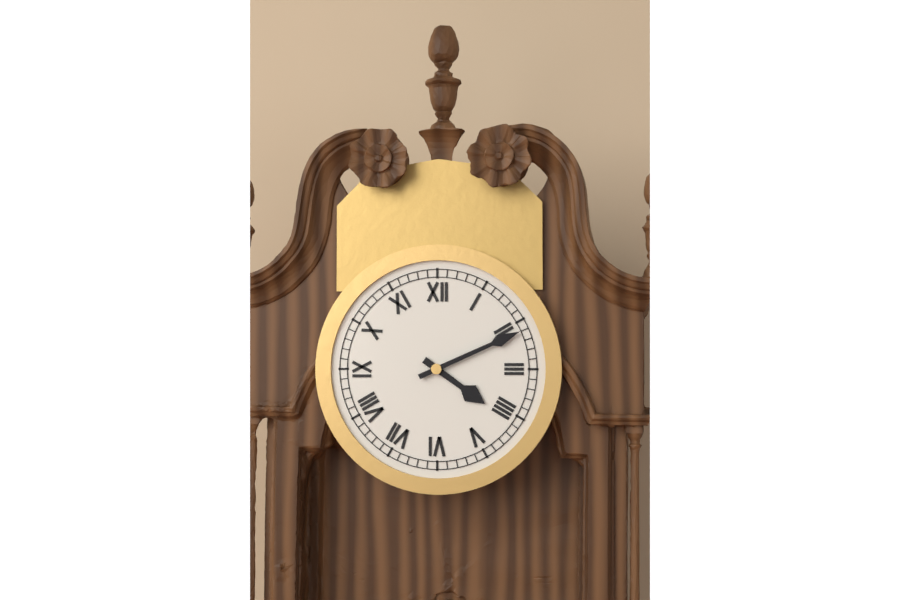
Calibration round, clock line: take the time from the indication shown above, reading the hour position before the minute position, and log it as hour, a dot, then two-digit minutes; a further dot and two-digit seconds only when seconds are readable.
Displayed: 4.11
